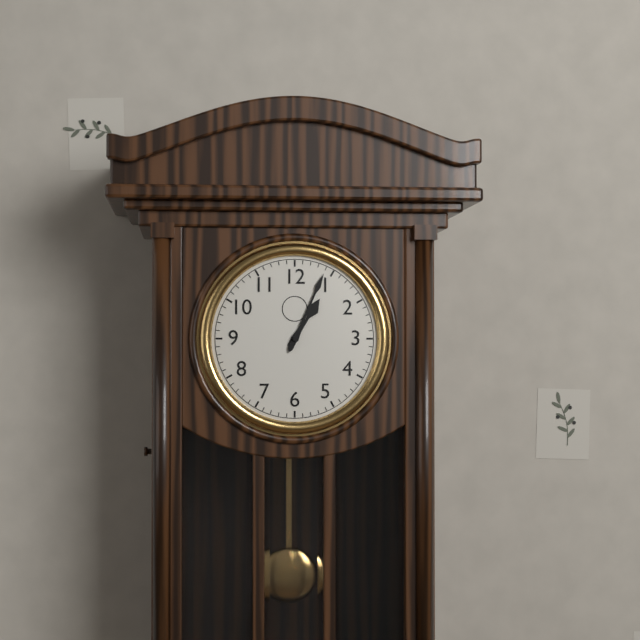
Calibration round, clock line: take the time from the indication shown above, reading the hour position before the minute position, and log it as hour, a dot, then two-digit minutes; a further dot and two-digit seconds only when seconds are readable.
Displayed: 1.04
